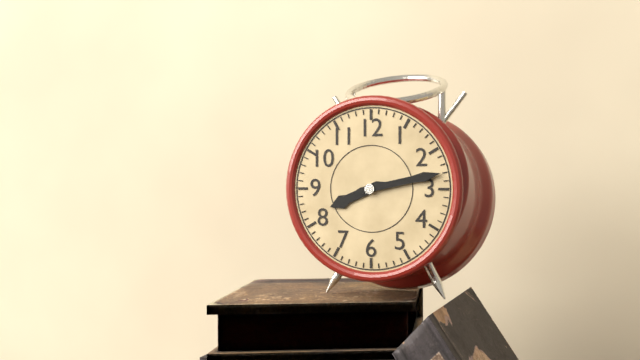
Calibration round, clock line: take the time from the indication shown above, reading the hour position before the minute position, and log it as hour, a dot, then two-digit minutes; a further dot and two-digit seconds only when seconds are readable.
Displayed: 8.13
